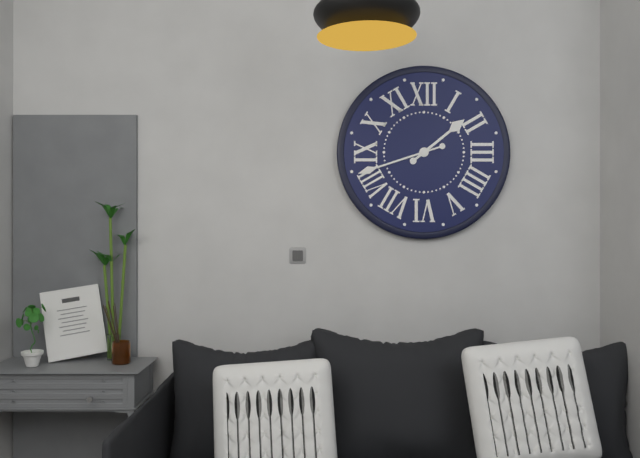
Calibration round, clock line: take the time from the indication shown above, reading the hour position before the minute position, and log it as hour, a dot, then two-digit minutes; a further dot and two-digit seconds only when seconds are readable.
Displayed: 1.42
